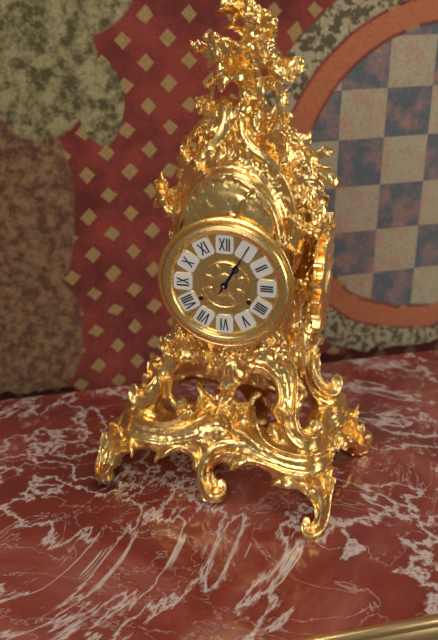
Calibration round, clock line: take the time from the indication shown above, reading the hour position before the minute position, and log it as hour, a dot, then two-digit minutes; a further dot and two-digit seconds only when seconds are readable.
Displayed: 1.05
